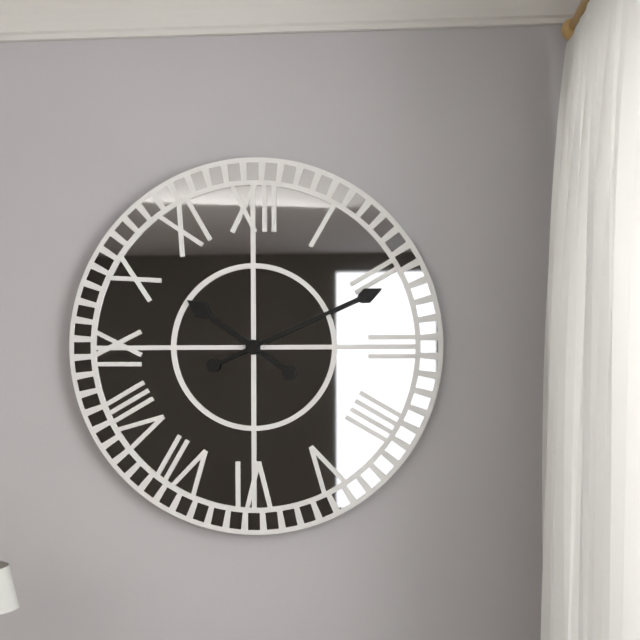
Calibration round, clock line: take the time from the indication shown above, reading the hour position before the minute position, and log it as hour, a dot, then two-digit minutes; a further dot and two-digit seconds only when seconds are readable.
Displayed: 10.11
